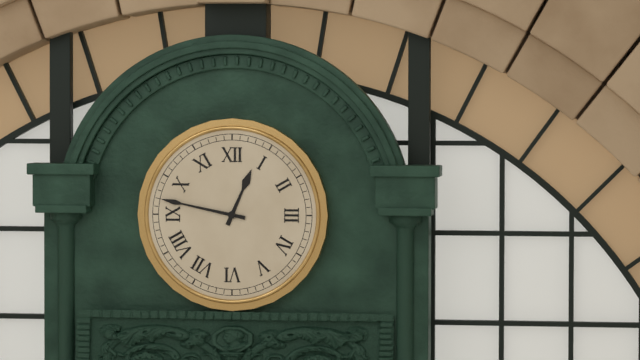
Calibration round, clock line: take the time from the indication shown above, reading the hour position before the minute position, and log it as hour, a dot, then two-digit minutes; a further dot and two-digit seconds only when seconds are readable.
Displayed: 12.47
